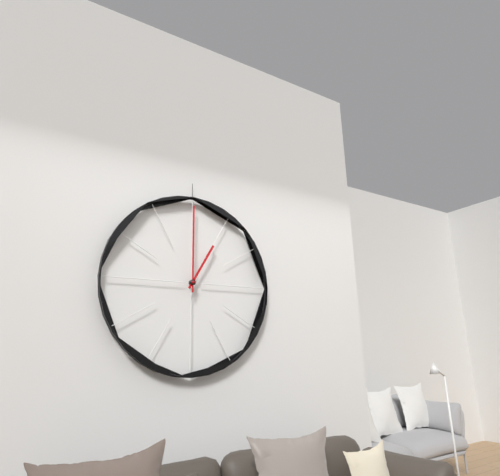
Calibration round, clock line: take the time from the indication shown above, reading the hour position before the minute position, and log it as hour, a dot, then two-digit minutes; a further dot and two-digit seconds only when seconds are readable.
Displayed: 1.00
